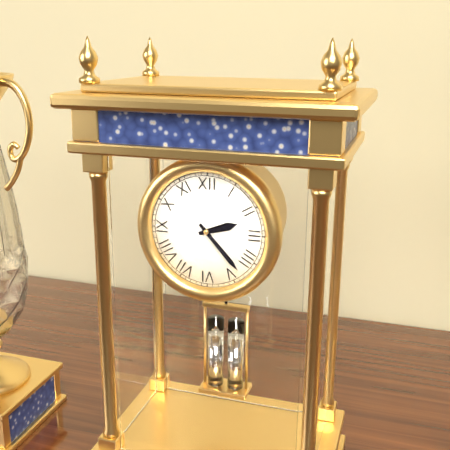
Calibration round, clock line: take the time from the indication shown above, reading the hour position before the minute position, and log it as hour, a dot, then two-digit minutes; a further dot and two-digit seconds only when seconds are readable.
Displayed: 2.23
